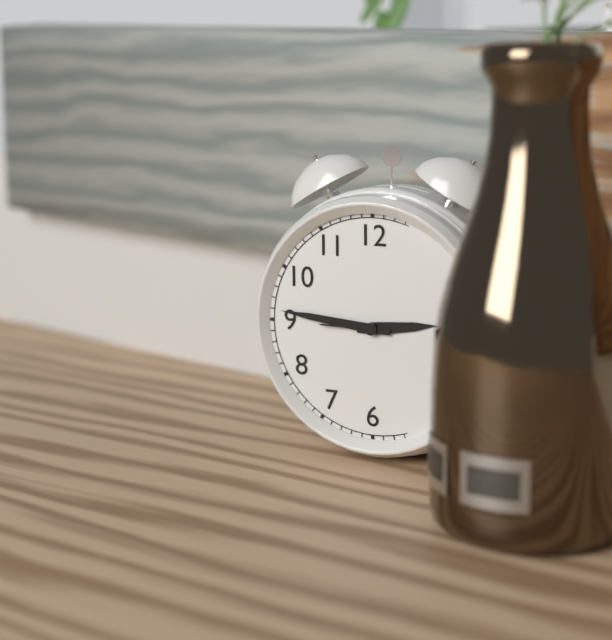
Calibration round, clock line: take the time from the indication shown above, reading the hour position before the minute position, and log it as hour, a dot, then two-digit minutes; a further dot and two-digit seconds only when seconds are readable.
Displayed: 2.46
